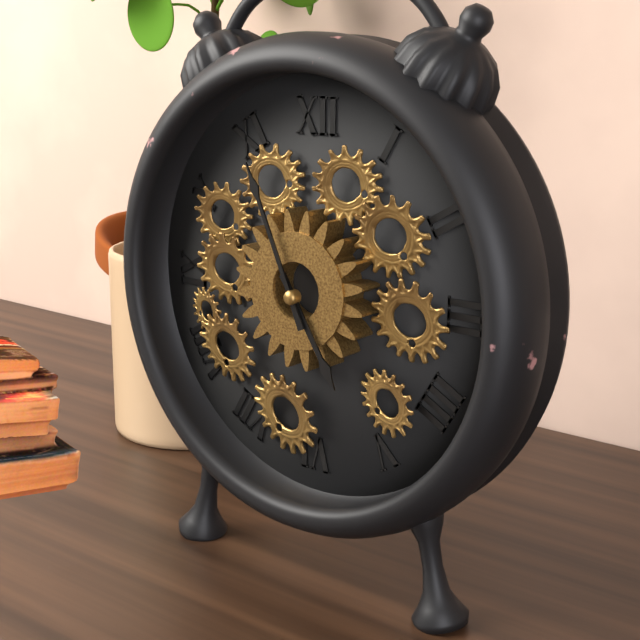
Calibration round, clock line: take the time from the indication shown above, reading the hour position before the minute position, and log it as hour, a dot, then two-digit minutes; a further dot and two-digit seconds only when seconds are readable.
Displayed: 4.56
